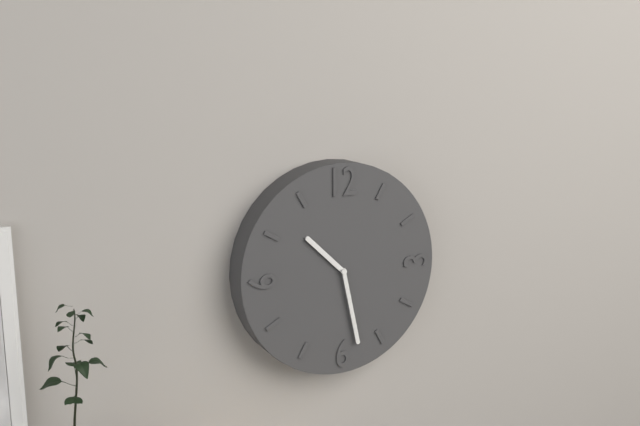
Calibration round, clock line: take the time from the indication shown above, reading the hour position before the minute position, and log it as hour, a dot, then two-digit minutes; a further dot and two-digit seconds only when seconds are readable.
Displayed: 10.28
